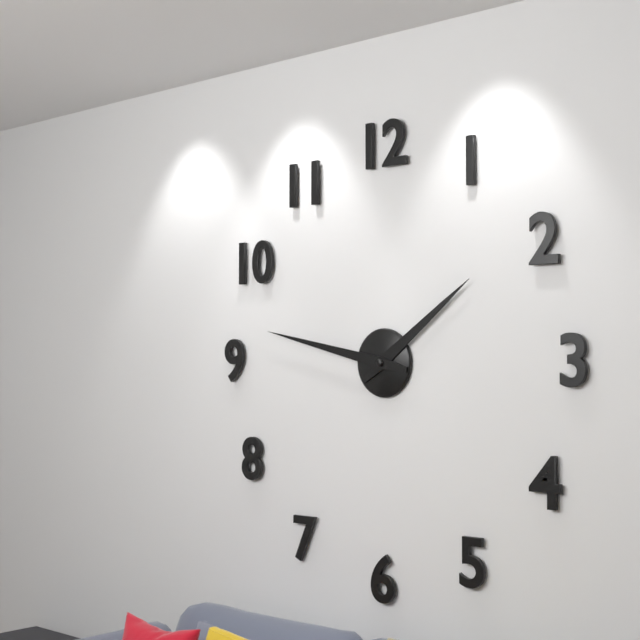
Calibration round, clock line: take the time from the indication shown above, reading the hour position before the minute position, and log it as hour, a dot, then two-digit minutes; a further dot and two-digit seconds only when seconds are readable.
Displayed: 1.47
